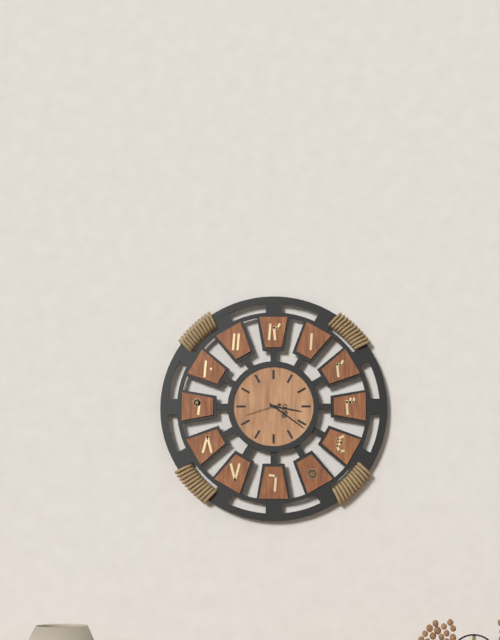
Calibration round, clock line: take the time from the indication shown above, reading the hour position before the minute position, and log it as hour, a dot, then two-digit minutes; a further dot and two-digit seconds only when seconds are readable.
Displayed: 3.21
